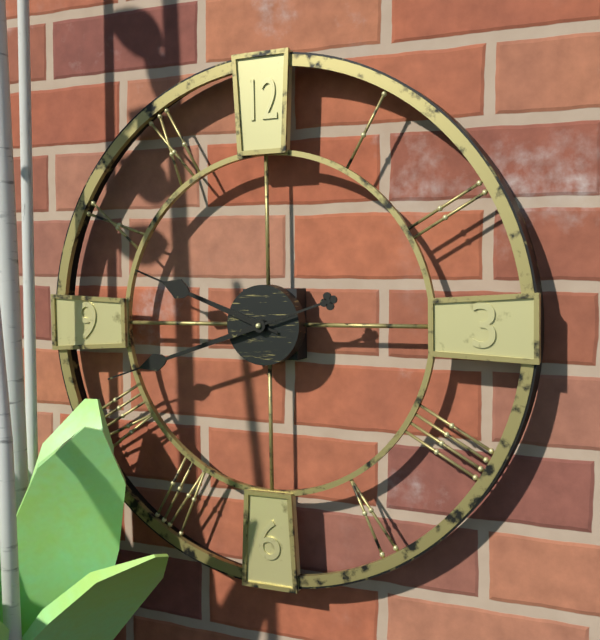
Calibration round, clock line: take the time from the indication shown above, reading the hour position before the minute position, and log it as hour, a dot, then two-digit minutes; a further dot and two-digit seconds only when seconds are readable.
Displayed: 9.42
